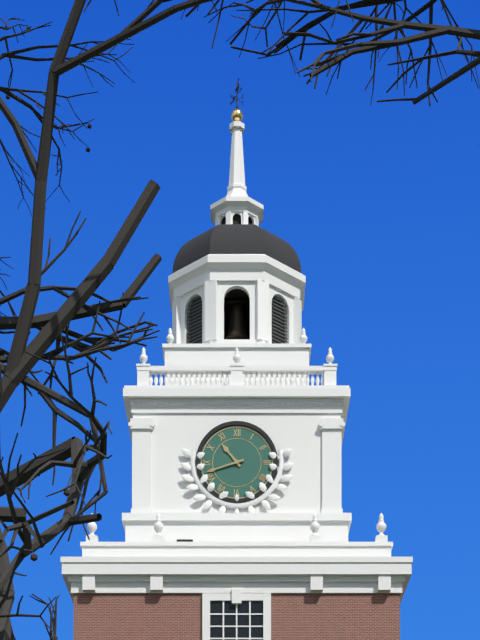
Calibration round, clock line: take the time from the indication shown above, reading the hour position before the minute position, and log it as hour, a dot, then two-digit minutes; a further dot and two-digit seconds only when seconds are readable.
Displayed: 10.42
